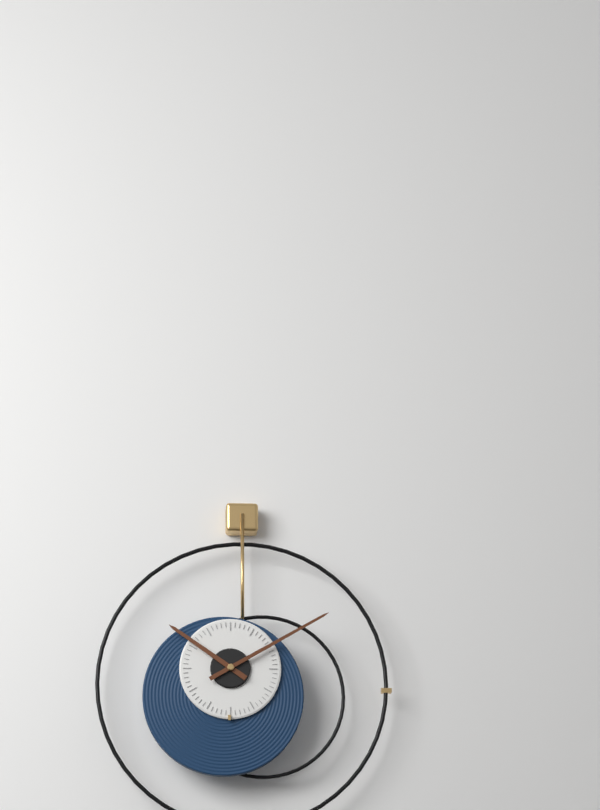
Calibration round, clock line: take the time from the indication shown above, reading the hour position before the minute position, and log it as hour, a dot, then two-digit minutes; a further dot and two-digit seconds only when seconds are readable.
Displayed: 10.10
